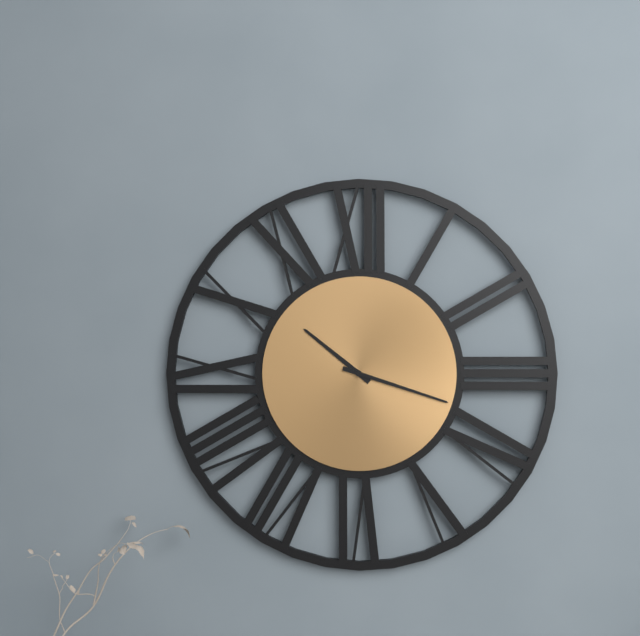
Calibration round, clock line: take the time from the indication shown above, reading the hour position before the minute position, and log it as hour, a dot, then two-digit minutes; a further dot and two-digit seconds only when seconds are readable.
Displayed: 10.18
